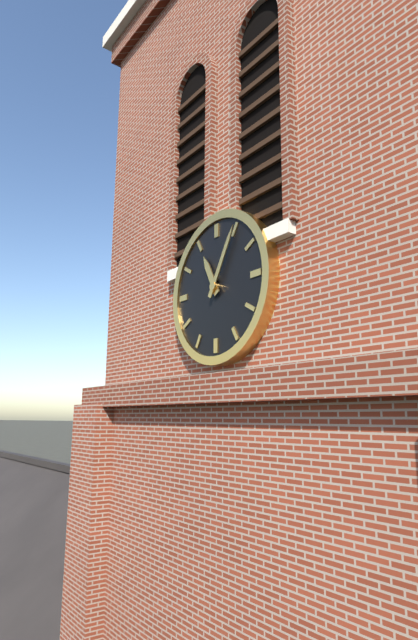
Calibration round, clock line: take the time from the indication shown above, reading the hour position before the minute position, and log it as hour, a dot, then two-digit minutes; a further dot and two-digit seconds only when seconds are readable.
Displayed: 11.05
